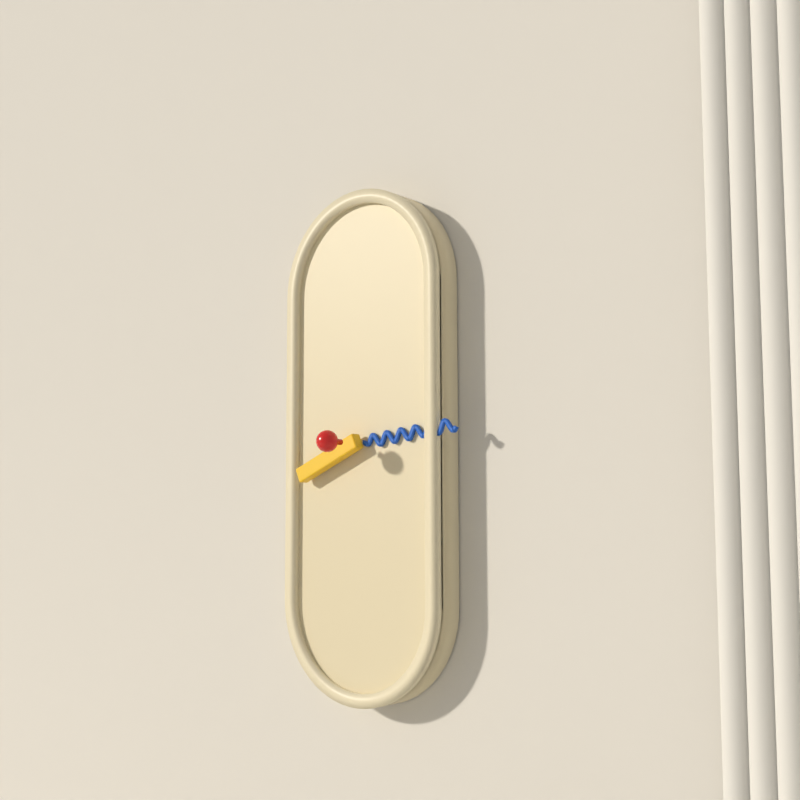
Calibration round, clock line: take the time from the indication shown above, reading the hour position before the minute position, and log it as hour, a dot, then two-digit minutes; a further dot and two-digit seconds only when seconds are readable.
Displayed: 8.14
